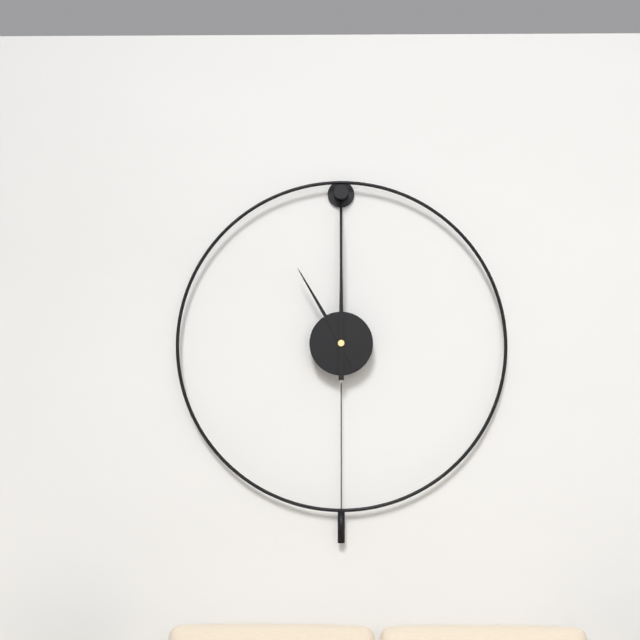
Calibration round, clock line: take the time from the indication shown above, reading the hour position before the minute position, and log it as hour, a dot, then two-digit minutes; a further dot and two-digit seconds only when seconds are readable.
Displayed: 11.00
